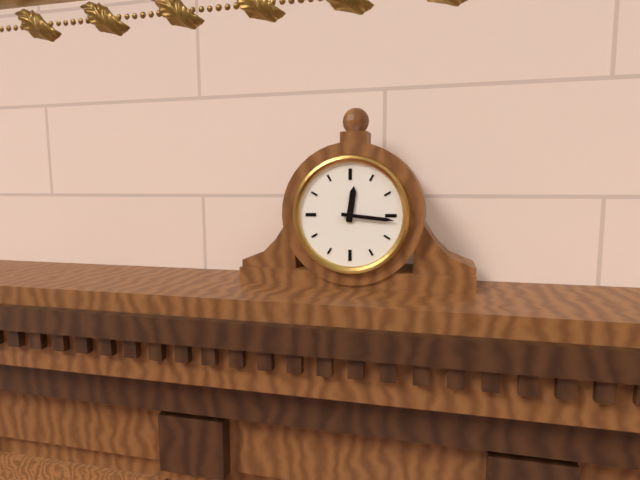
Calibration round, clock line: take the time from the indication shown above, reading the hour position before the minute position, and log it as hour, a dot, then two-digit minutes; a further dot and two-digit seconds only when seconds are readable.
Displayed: 12.16
